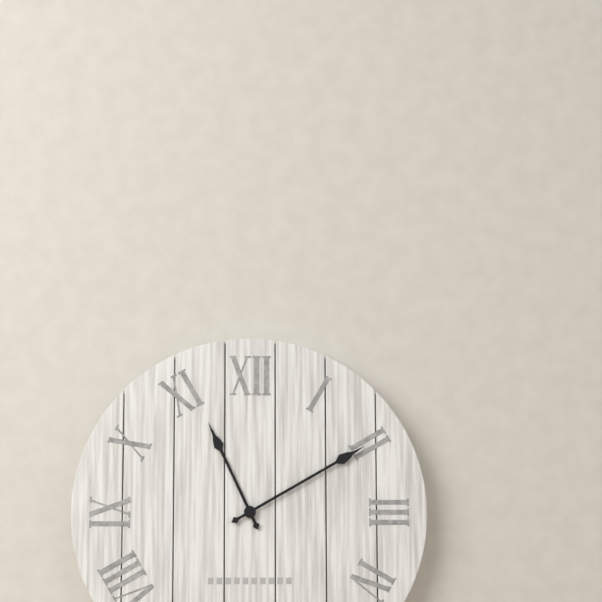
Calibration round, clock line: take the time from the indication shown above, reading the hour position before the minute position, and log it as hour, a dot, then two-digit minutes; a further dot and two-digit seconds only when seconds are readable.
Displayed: 11.10
